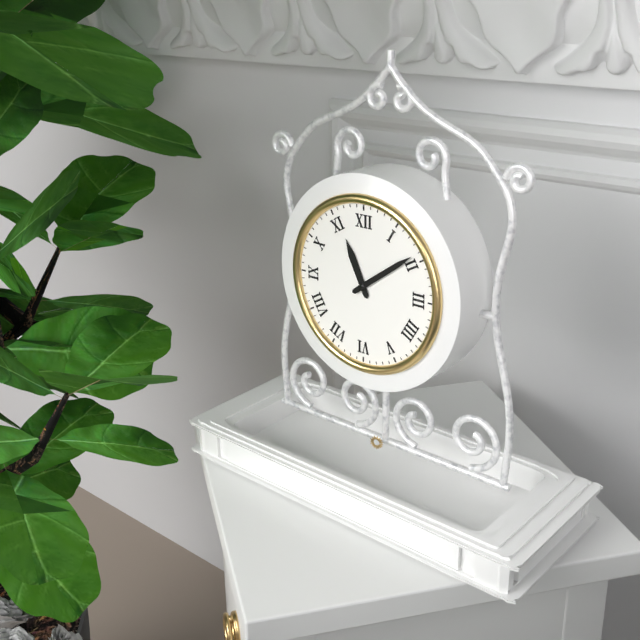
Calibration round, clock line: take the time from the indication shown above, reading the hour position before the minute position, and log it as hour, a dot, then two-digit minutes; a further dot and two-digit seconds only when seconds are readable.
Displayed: 11.09
